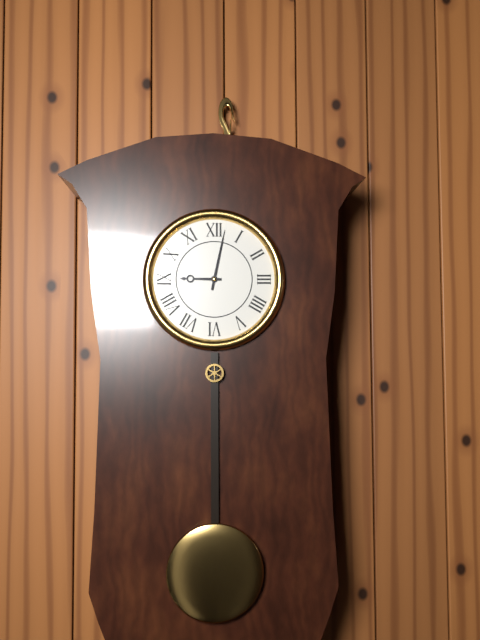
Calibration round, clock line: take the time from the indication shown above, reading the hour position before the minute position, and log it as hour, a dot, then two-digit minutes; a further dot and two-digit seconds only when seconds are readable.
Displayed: 9.02
